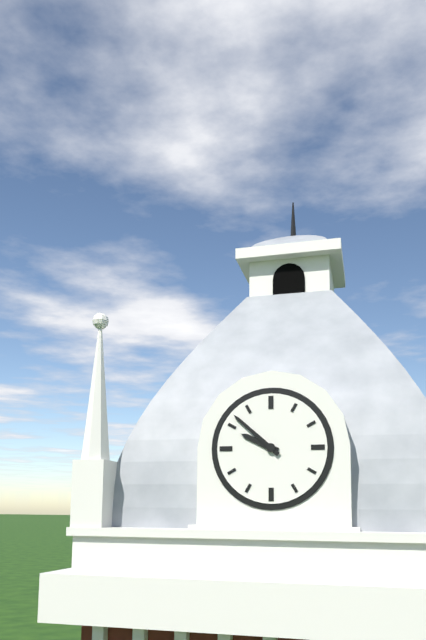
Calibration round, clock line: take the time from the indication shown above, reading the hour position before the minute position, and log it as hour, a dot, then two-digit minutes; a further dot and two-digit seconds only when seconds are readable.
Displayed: 9.52
